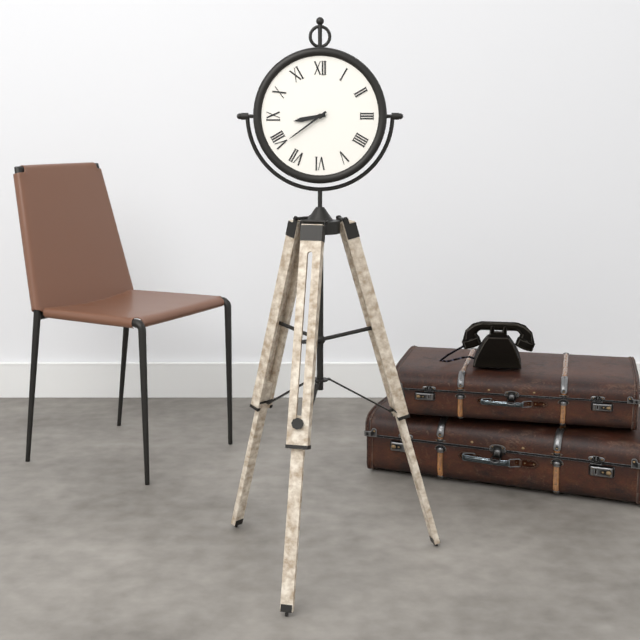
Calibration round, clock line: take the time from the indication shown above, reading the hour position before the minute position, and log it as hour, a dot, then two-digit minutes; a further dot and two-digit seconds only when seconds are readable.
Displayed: 8.39
